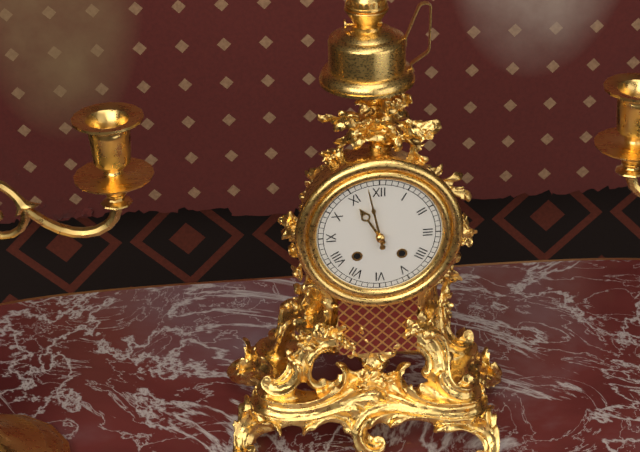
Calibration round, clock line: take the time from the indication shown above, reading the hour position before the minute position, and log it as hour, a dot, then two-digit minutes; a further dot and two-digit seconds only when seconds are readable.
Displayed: 10.58
